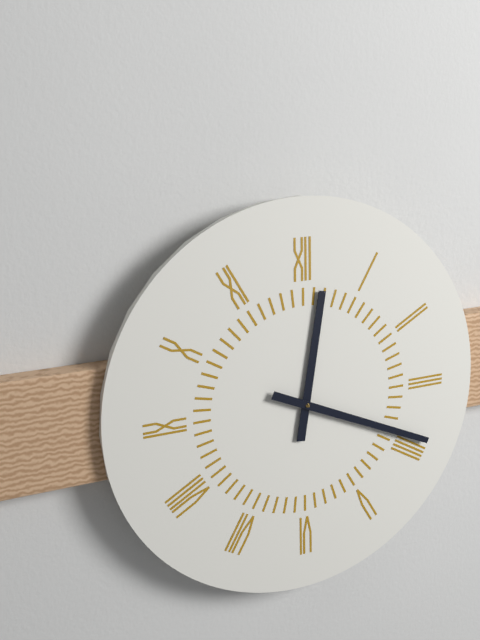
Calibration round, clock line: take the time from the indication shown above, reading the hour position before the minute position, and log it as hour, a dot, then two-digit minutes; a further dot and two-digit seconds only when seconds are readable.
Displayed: 12.19
